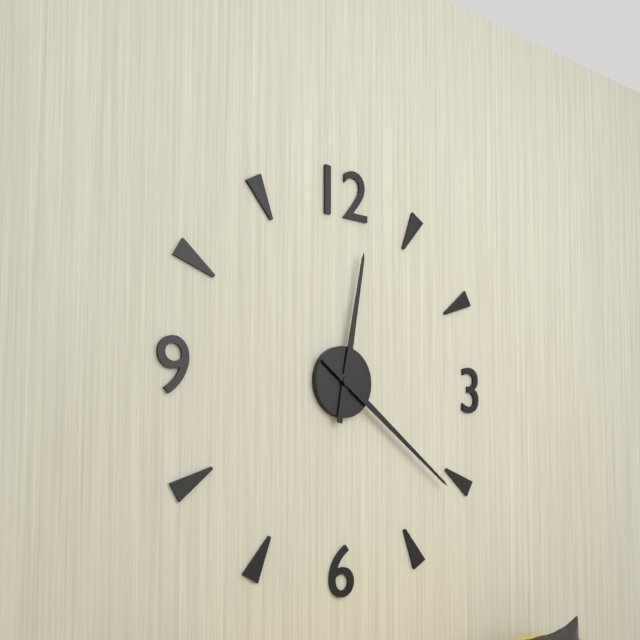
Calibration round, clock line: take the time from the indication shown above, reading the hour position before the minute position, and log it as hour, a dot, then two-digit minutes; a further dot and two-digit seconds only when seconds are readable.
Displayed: 12.21
